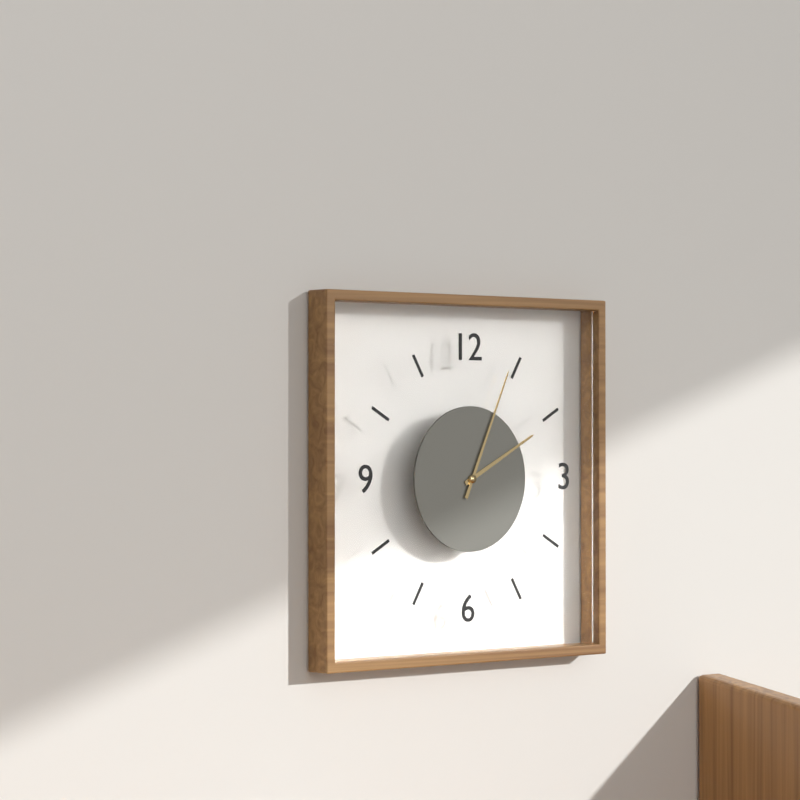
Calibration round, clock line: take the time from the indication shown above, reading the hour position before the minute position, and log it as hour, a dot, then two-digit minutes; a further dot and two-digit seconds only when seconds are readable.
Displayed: 2.04
